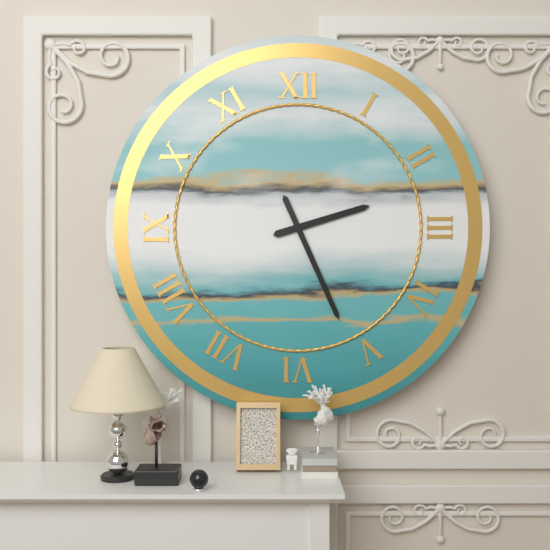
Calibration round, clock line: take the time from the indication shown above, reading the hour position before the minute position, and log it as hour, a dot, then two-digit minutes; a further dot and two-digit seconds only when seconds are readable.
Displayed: 2.26
